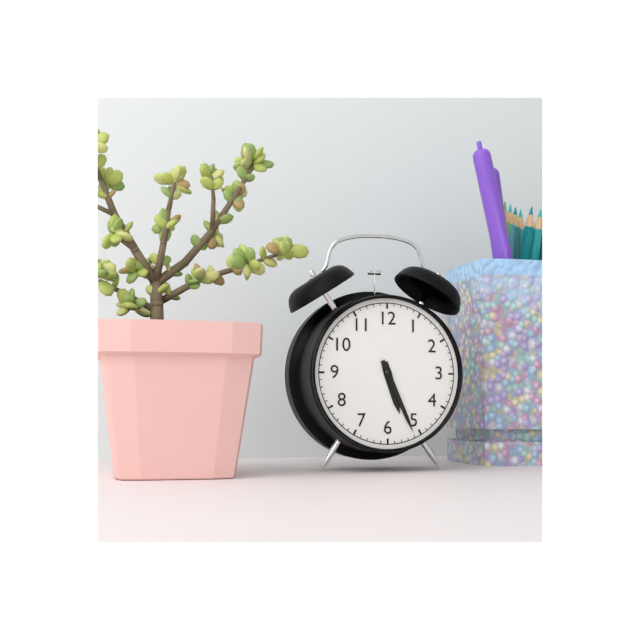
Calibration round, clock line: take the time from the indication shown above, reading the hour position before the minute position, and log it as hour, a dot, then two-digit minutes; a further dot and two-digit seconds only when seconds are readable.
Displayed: 5.26
